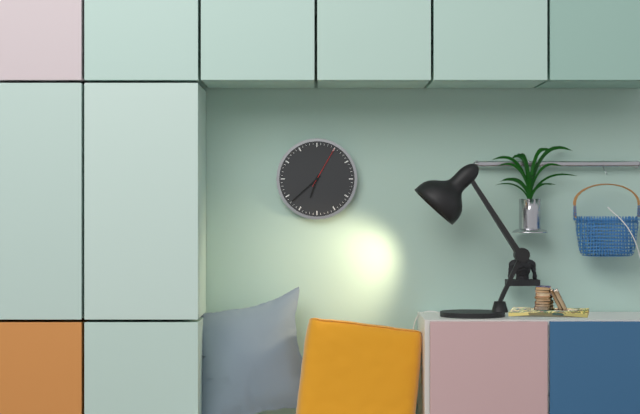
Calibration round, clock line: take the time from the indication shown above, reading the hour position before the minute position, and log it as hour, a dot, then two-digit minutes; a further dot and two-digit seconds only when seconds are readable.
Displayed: 6.38
